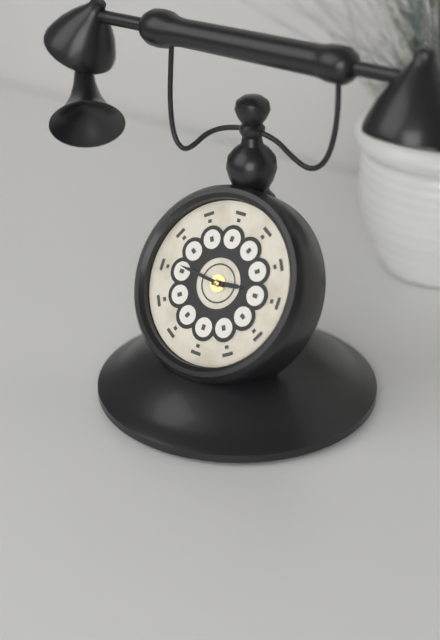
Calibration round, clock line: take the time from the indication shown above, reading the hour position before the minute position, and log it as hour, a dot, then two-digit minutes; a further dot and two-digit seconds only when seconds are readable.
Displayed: 2.46
